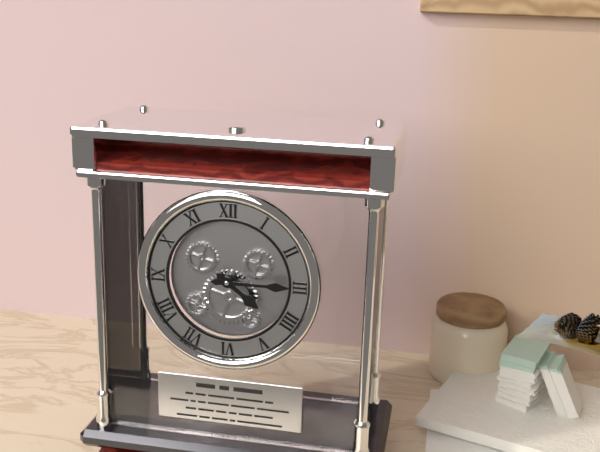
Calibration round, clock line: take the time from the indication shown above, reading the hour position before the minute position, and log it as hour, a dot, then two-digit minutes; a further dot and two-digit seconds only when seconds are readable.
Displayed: 4.15
